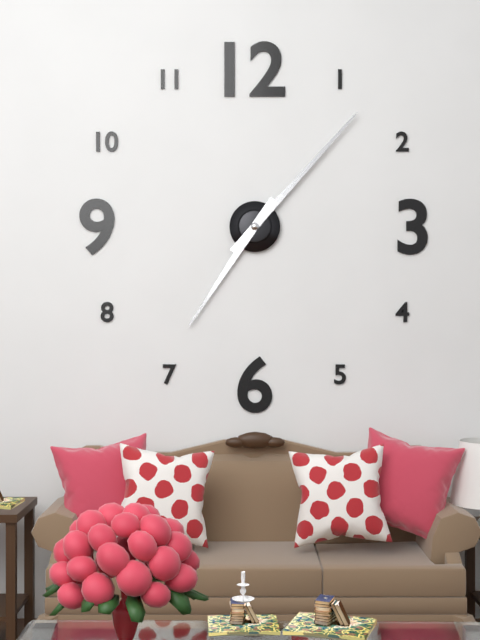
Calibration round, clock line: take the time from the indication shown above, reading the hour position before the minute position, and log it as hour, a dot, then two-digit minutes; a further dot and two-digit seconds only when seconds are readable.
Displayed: 7.07
